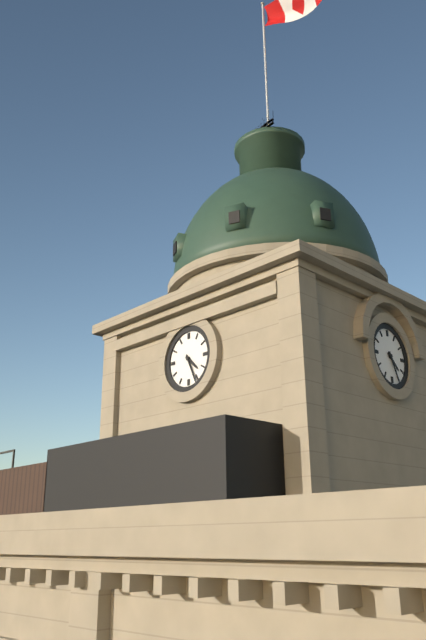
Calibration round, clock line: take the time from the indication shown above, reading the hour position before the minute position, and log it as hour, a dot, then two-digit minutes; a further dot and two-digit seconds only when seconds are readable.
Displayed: 4.26
